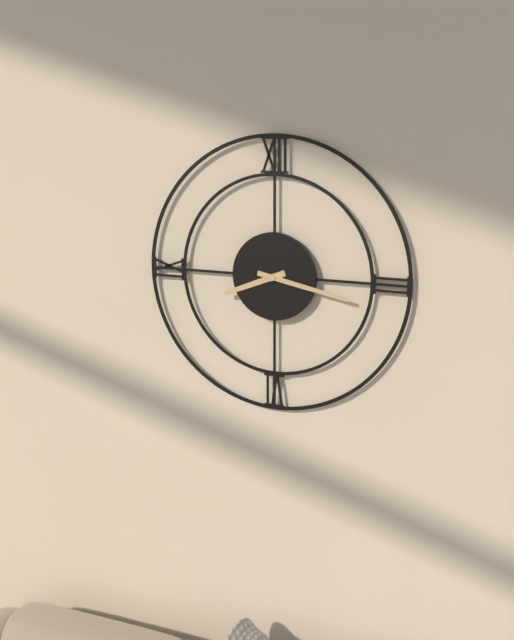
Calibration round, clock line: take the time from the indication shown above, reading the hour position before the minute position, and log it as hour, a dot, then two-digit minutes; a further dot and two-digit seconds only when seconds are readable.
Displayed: 8.17
